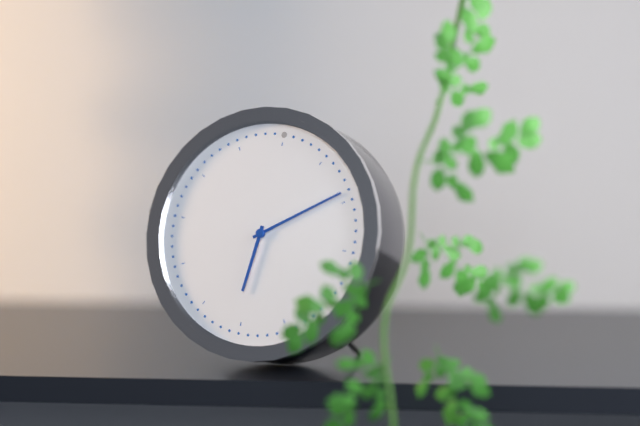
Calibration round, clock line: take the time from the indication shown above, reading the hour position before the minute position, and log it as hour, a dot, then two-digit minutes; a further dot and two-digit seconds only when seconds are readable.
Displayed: 6.09
